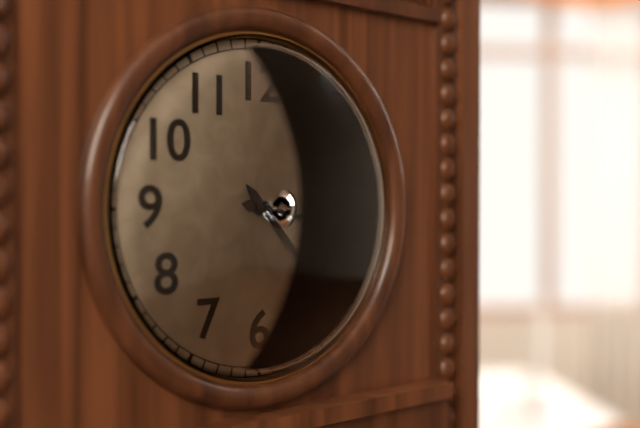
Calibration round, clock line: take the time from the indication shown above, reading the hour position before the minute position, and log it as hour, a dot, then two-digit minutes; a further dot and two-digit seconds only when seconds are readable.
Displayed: 3.23
